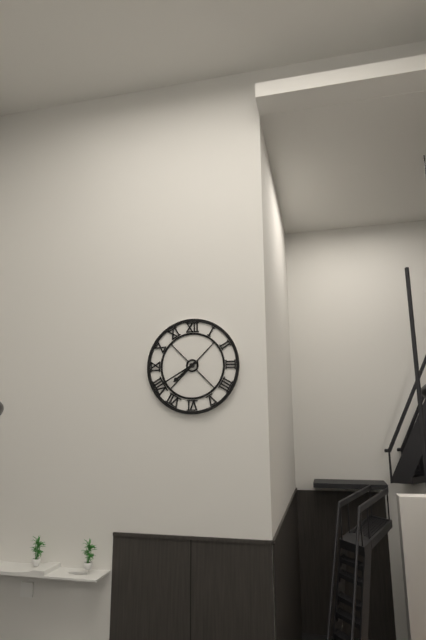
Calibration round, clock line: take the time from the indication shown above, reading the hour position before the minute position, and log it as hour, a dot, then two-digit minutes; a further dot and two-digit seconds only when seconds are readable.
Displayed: 7.40
